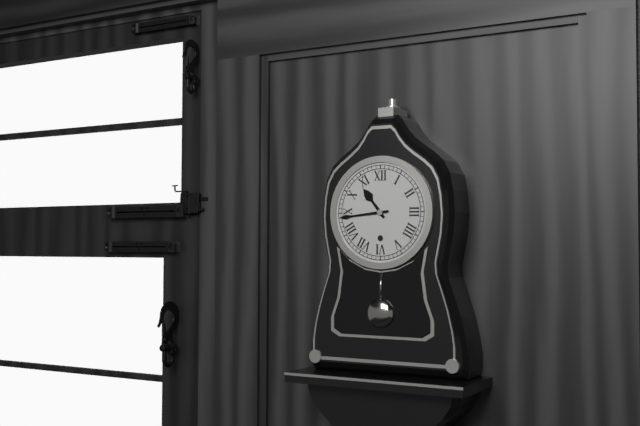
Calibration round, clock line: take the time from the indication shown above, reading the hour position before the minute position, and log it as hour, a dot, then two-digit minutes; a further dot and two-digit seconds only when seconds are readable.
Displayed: 10.44
